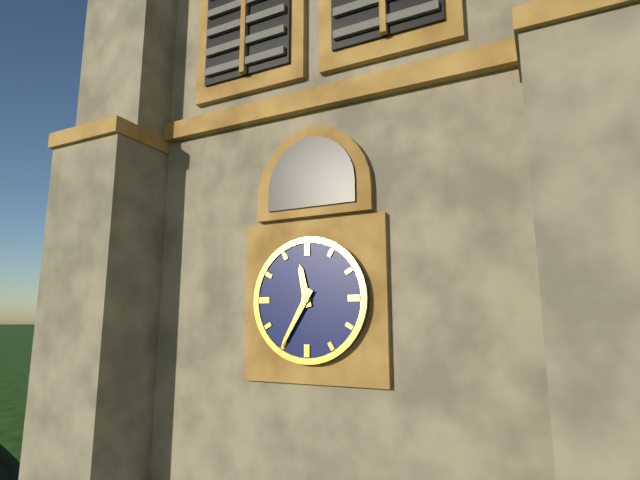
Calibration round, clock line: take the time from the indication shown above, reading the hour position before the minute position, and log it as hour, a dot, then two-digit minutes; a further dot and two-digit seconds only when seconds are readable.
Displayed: 11.35
